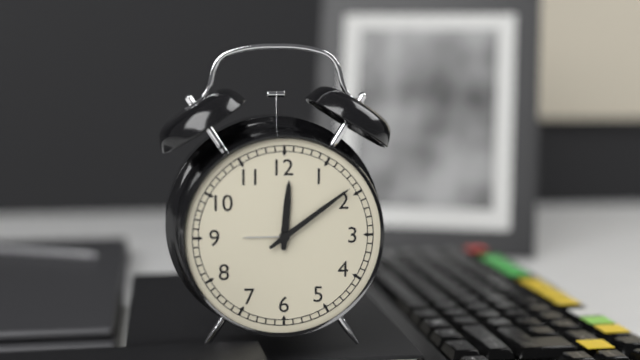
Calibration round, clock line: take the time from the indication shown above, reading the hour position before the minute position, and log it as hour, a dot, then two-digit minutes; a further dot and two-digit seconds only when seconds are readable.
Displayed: 12.09
